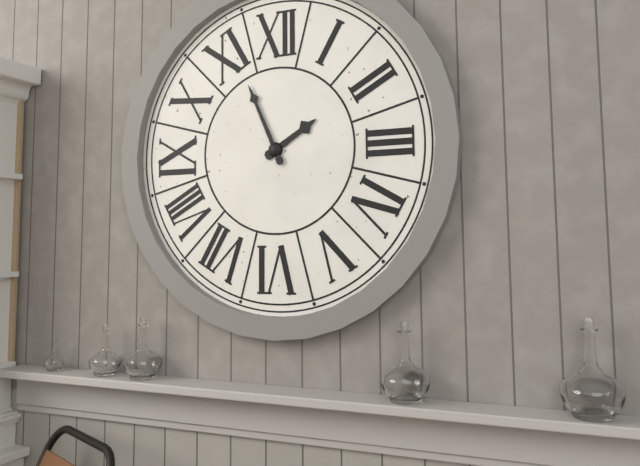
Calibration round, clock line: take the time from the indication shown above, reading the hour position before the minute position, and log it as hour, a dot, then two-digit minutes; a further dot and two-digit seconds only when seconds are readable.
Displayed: 1.56
